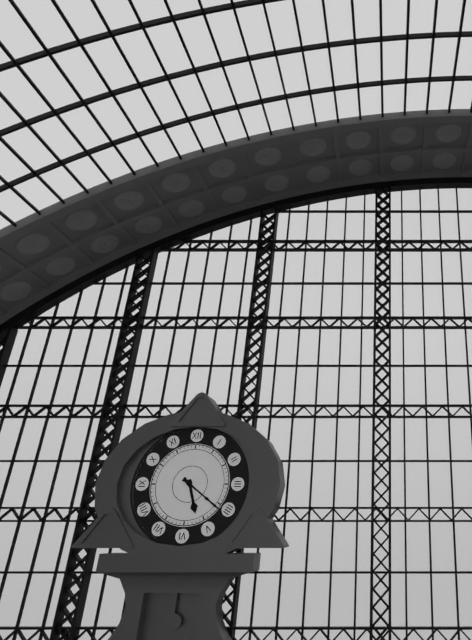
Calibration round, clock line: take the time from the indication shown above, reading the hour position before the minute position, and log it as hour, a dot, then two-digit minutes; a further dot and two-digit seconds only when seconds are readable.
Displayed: 5.21
